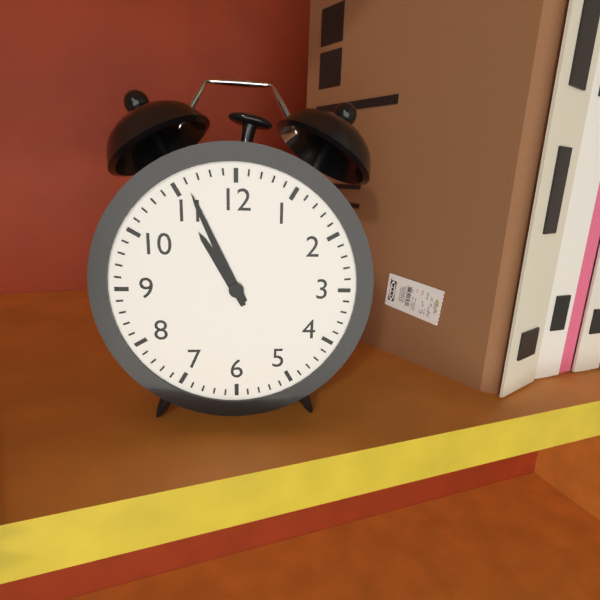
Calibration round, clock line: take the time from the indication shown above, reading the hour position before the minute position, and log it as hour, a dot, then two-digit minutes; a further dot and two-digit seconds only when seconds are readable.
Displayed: 10.56
